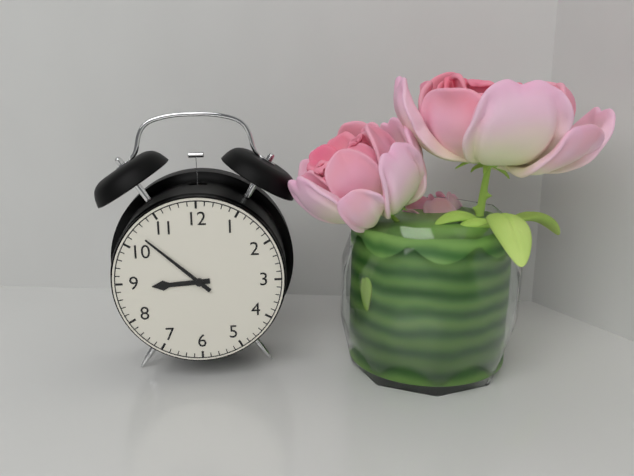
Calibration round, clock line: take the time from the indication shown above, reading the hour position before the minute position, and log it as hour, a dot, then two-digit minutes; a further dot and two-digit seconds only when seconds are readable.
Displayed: 8.52
